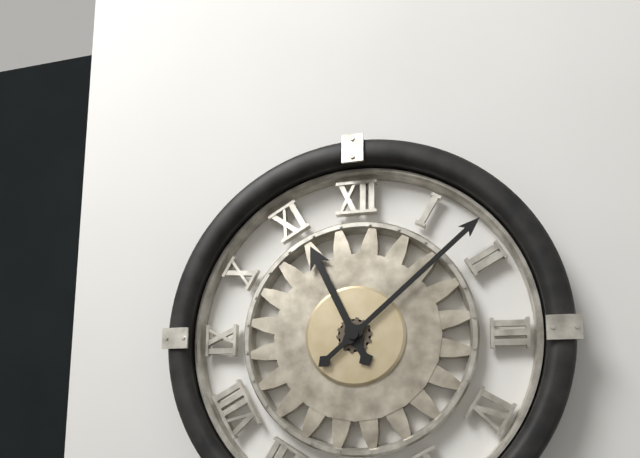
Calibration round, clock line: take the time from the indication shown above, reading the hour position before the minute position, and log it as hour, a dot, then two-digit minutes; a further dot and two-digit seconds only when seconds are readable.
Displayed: 11.08
